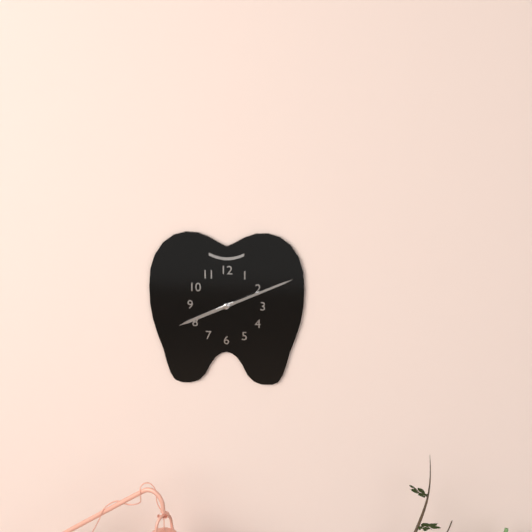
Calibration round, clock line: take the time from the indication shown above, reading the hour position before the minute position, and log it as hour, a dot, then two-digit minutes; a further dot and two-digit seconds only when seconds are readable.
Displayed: 8.11
